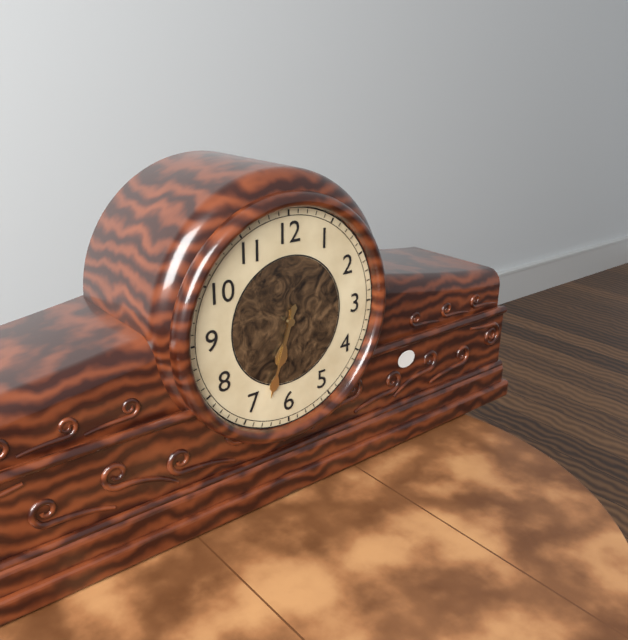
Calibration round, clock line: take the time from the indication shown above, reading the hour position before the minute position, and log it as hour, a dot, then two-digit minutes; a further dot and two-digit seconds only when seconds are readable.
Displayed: 6.33
